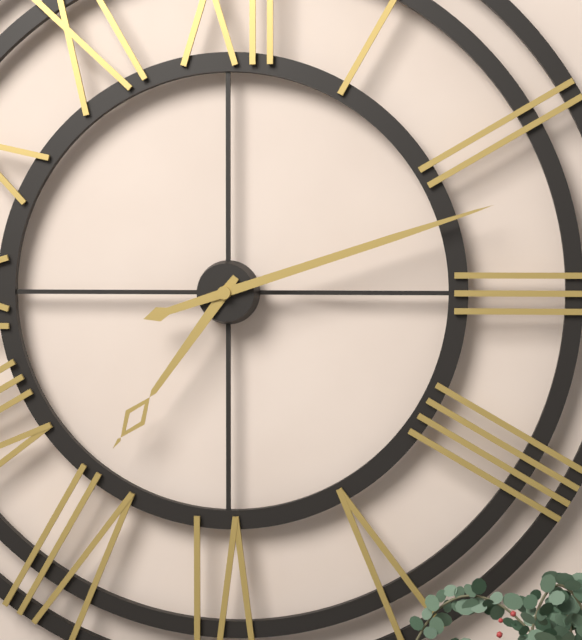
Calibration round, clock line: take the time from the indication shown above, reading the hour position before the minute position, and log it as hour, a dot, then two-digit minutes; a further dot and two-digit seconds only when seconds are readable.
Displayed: 7.12
